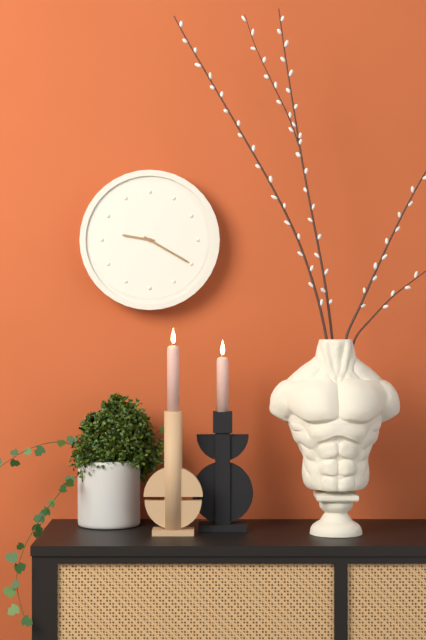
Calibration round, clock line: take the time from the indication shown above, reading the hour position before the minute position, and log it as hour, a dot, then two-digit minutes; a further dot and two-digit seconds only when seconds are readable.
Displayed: 9.20
